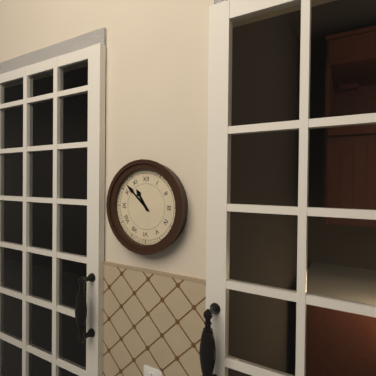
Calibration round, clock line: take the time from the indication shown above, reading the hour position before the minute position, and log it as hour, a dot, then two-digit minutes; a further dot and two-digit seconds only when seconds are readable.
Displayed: 10.52
